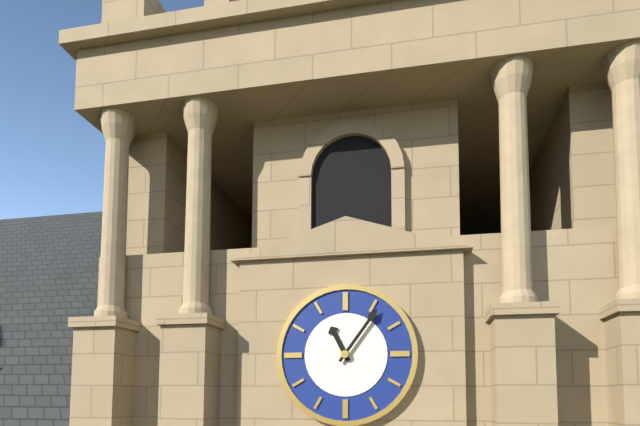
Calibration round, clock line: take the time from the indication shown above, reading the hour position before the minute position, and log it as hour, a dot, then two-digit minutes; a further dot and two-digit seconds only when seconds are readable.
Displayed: 11.06
